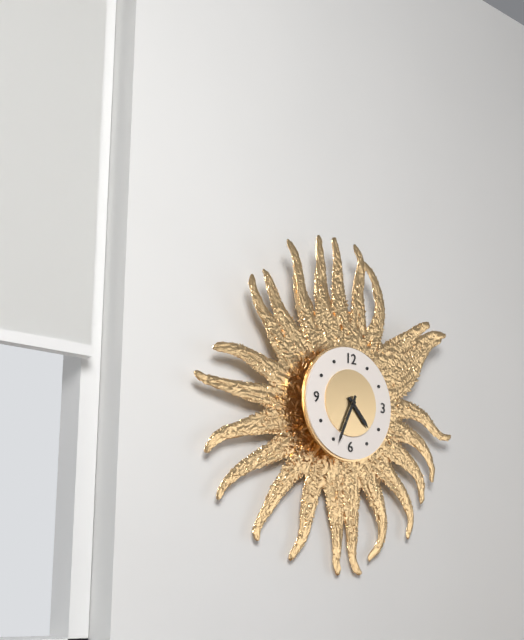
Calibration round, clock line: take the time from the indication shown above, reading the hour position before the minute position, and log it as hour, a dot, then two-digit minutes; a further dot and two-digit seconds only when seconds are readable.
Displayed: 4.34
